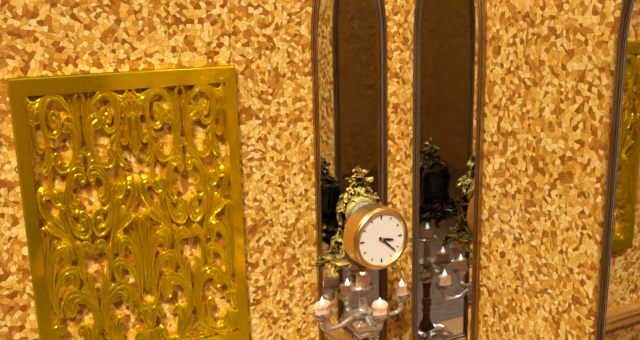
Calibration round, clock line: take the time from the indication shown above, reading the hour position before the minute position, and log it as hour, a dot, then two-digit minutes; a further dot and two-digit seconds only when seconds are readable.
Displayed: 3.22
